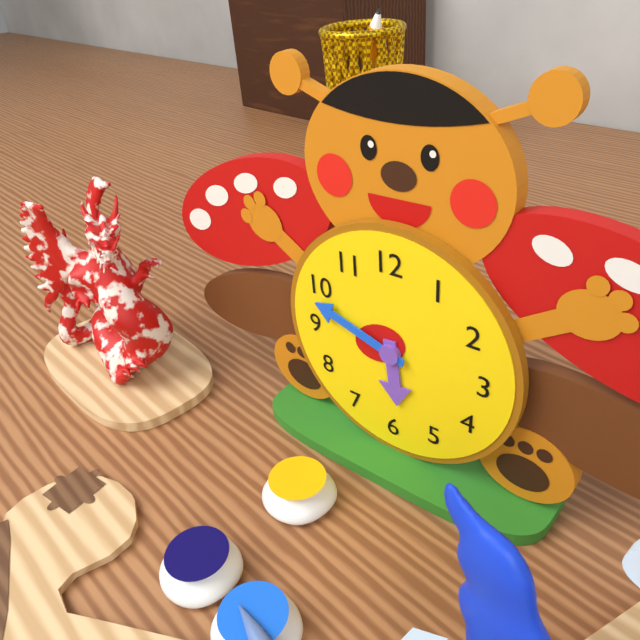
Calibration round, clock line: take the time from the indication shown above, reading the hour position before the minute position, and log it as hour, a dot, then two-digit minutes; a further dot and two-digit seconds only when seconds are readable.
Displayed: 5.48
